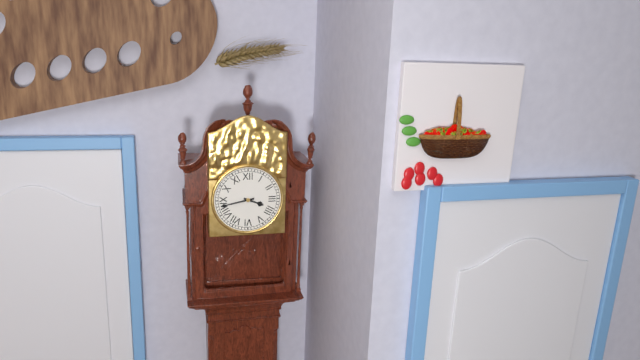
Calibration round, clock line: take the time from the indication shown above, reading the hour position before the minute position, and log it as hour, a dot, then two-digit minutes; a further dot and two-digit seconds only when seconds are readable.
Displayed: 3.43
